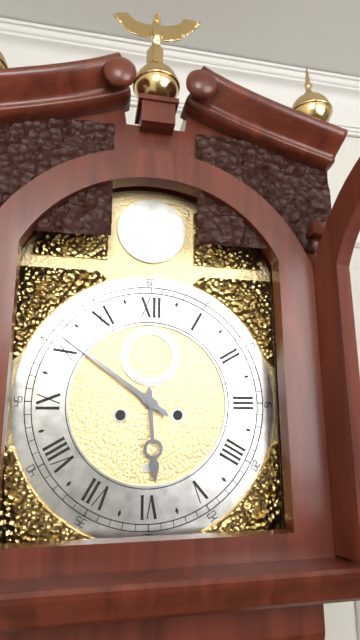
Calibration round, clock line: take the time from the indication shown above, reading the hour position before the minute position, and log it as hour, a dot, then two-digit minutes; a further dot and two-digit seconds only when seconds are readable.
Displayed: 5.51
